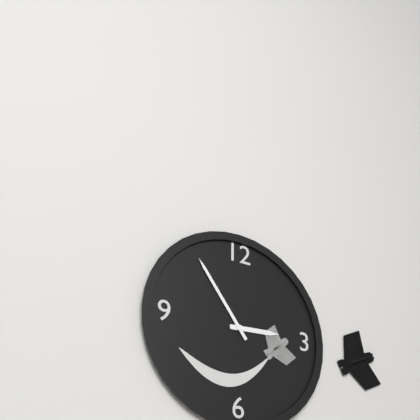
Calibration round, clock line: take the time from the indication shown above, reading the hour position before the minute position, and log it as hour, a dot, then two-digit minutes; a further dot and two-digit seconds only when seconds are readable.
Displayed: 2.54
